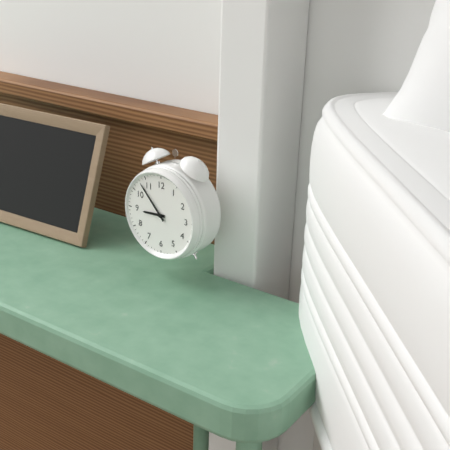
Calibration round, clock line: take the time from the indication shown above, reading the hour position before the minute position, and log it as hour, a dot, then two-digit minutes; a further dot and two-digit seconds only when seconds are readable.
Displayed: 8.53
